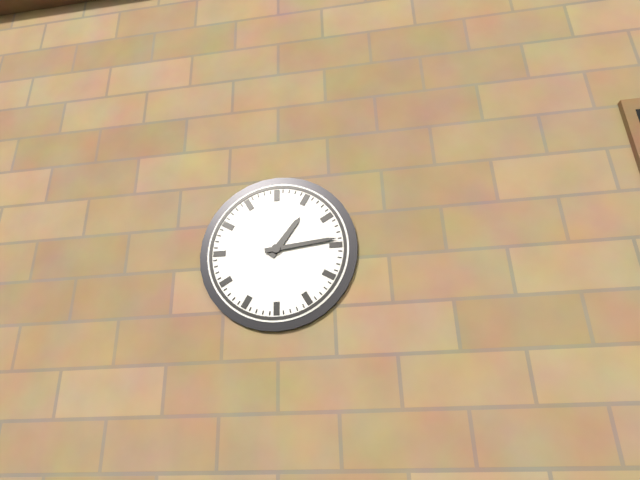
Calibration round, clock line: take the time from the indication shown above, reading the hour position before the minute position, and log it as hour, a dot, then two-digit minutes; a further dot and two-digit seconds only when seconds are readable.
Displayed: 1.14
